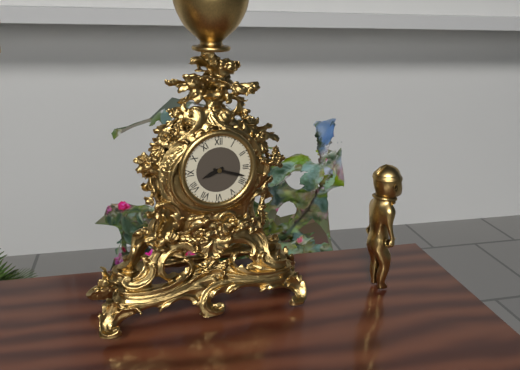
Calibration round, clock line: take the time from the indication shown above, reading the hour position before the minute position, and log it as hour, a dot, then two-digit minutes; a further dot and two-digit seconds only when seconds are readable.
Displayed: 8.18
